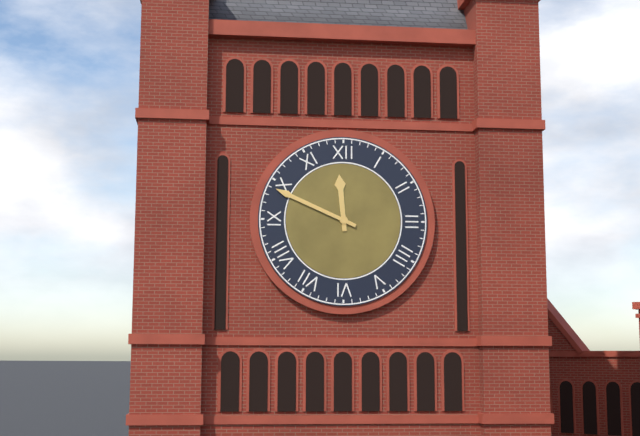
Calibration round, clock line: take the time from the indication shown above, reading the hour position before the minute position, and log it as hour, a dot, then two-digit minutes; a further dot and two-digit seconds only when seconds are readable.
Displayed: 11.49
